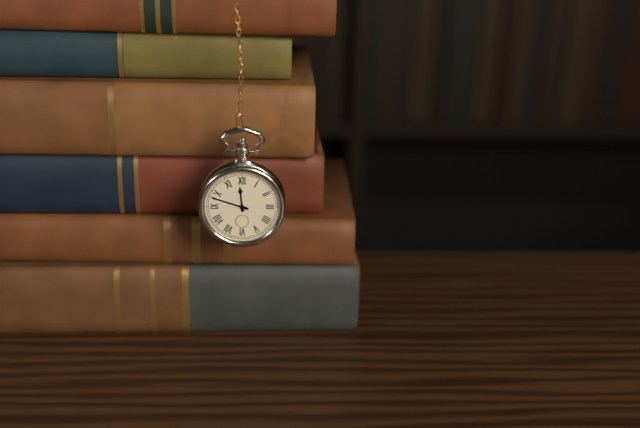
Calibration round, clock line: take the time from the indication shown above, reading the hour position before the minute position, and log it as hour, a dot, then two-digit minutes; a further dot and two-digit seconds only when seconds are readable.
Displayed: 11.48
